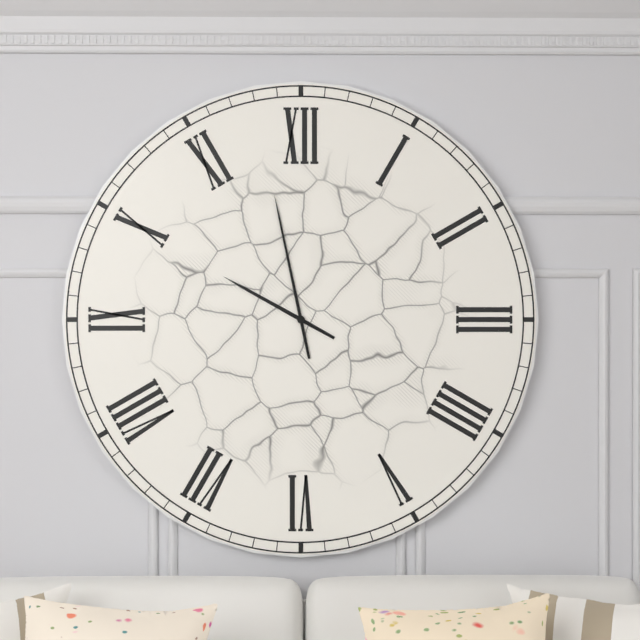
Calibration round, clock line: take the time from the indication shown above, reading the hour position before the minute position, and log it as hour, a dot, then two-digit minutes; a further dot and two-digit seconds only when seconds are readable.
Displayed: 9.58
